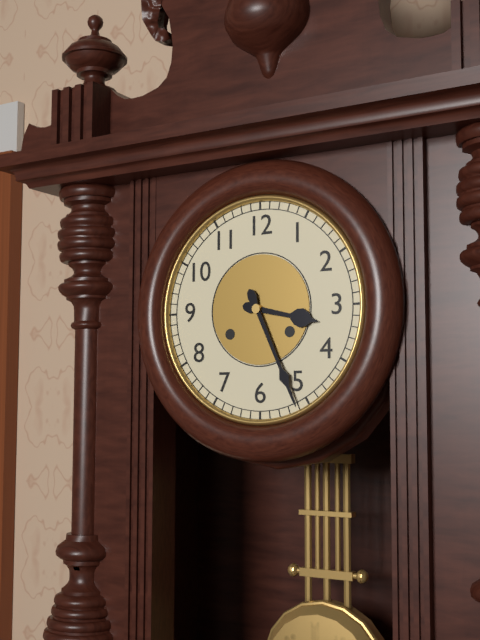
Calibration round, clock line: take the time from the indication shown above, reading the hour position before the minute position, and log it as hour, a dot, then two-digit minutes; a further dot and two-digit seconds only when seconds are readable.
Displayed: 3.26
